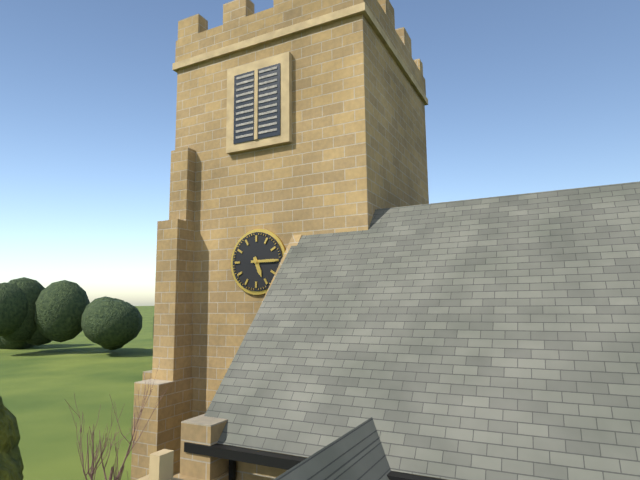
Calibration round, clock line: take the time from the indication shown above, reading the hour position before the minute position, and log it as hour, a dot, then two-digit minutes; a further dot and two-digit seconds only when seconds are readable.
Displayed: 5.15
